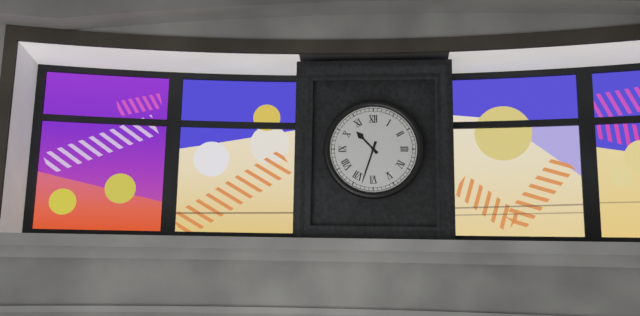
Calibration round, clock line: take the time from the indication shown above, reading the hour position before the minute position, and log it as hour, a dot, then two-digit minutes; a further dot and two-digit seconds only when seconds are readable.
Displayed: 10.33
